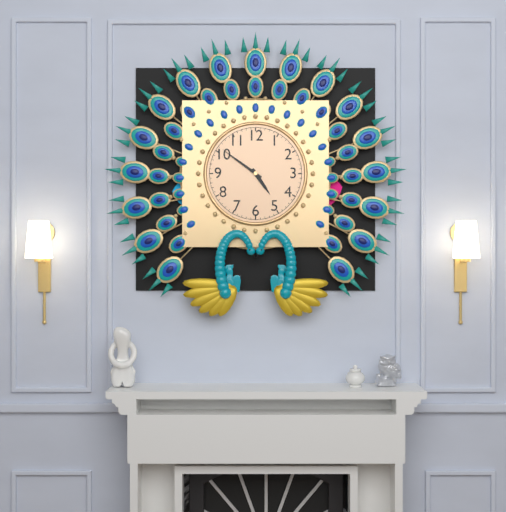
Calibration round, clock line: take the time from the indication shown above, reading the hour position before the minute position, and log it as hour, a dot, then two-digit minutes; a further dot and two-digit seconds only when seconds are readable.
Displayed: 4.51
